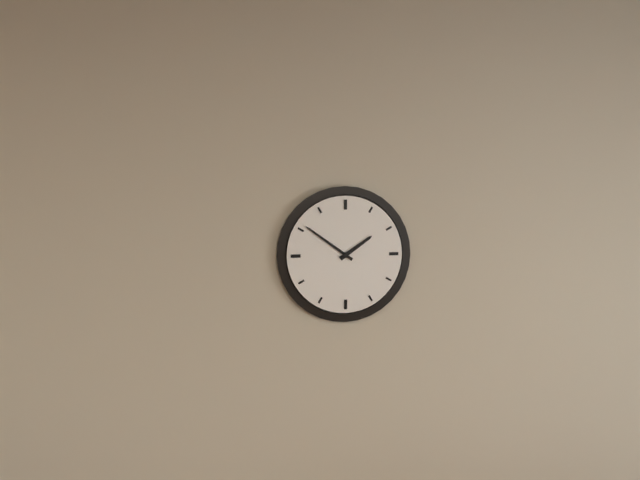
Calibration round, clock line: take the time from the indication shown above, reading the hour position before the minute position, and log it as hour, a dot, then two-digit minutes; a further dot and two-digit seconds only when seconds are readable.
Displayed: 1.51
